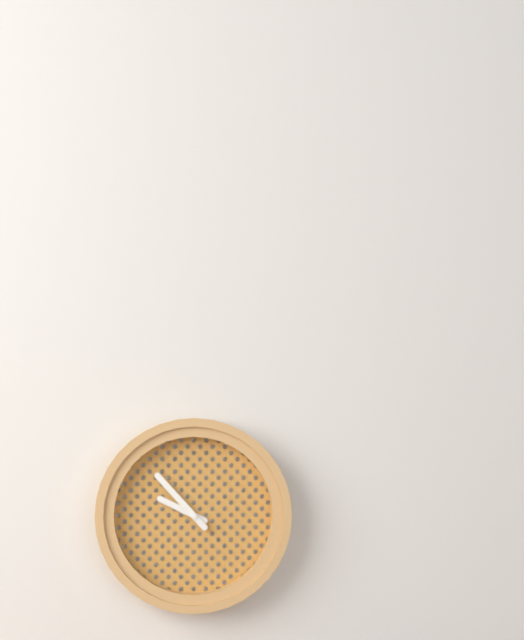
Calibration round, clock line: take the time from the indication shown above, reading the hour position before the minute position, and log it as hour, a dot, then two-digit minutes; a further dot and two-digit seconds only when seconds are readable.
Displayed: 9.53
